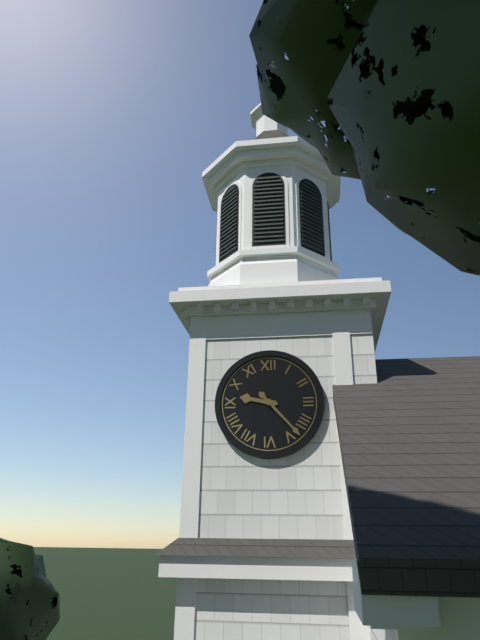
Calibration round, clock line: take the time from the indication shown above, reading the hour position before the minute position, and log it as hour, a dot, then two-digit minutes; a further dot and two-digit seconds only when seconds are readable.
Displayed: 9.23
